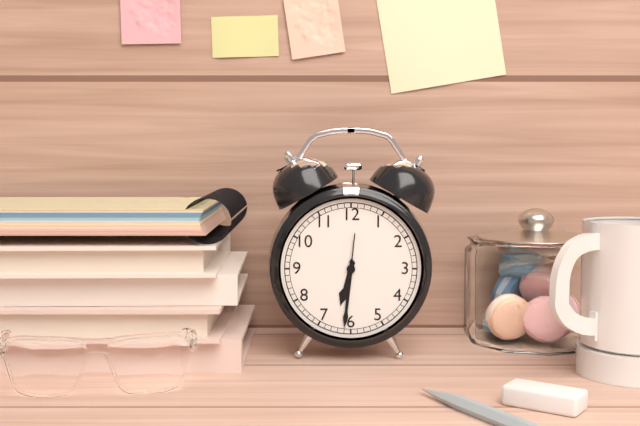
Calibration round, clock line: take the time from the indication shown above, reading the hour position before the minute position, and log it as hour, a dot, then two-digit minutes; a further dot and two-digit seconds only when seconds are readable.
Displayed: 6.31
